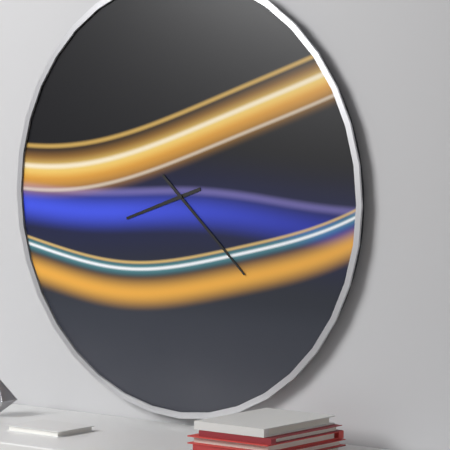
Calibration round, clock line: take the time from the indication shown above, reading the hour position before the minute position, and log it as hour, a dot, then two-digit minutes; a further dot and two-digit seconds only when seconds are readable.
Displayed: 8.22
